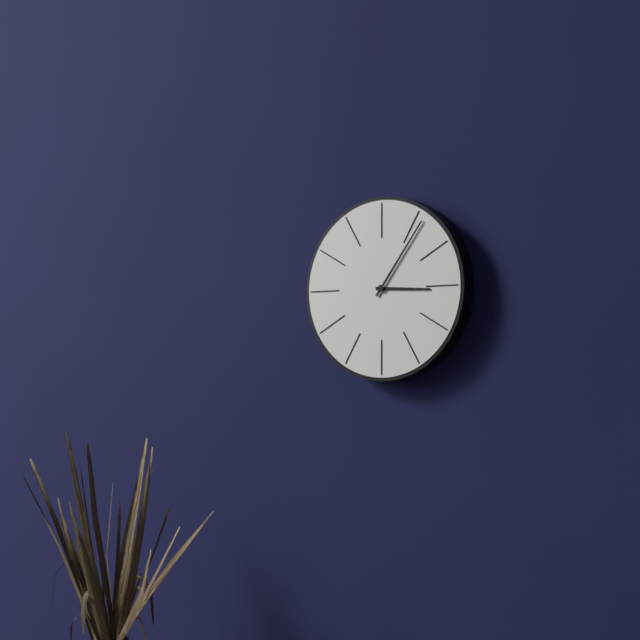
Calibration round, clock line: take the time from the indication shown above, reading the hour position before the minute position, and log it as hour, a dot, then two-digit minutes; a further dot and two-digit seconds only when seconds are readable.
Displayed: 3.06
